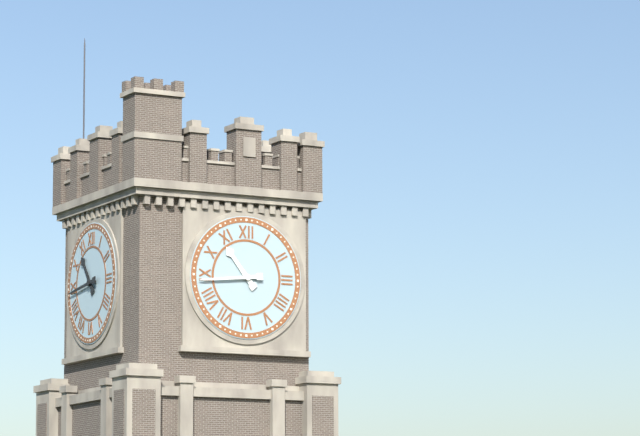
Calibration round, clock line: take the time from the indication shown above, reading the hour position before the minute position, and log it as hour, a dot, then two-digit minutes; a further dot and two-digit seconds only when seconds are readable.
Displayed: 10.44
